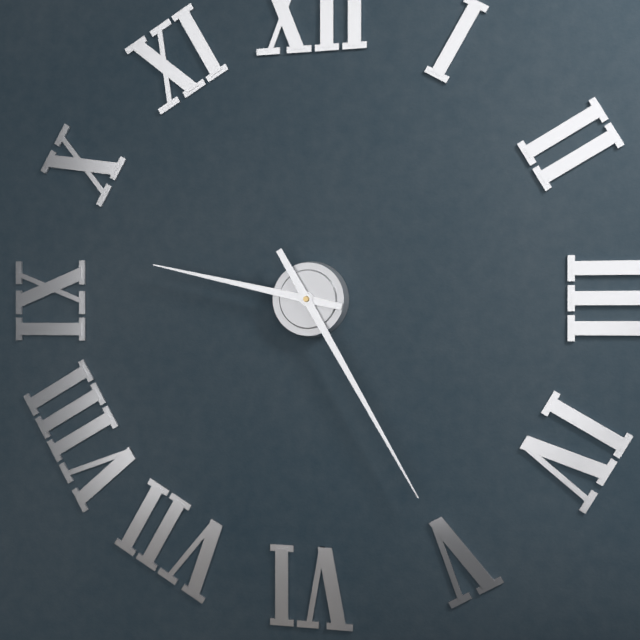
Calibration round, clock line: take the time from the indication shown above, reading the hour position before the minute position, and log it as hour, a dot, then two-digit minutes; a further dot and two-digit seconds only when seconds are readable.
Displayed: 9.25
